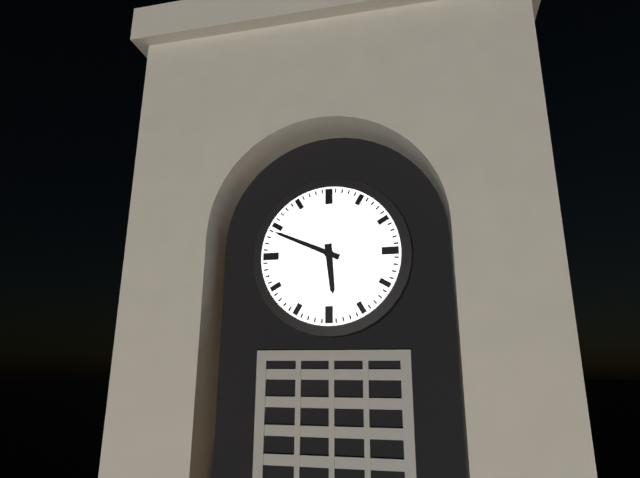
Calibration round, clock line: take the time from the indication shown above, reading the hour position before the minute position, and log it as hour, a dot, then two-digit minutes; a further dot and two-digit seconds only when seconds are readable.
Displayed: 5.49
